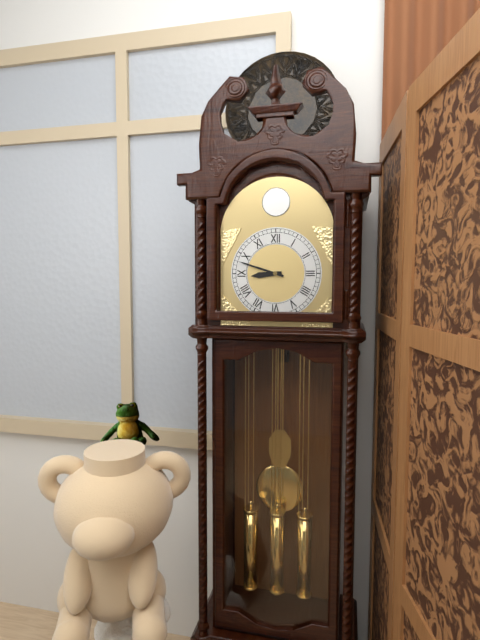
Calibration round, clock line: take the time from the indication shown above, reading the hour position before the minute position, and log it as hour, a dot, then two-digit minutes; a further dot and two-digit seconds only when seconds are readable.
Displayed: 8.48
